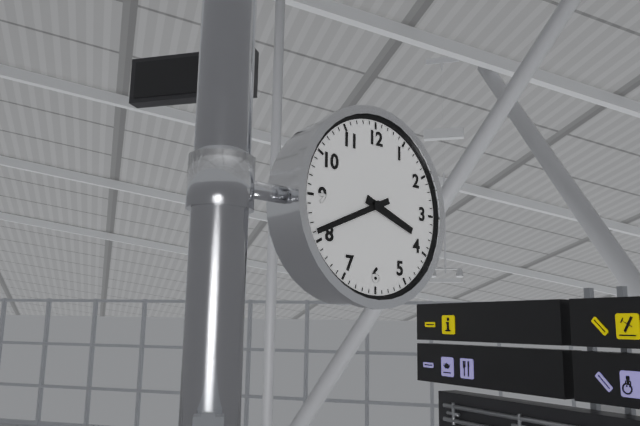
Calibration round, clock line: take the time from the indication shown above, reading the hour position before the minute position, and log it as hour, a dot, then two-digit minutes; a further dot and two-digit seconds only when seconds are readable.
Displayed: 3.41
